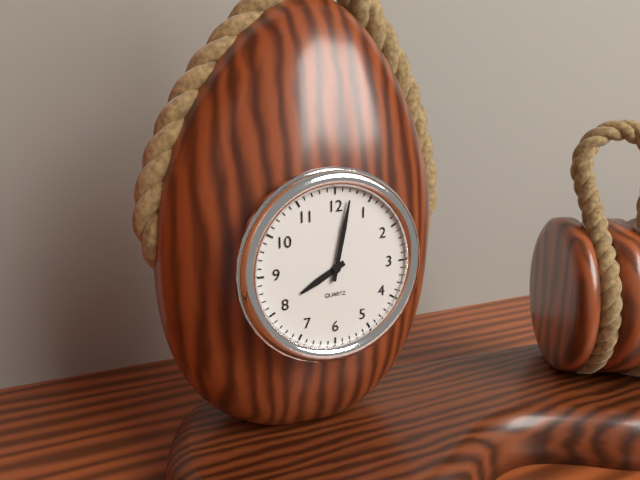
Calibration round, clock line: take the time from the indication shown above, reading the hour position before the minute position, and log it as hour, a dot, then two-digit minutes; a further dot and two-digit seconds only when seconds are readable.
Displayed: 8.02
